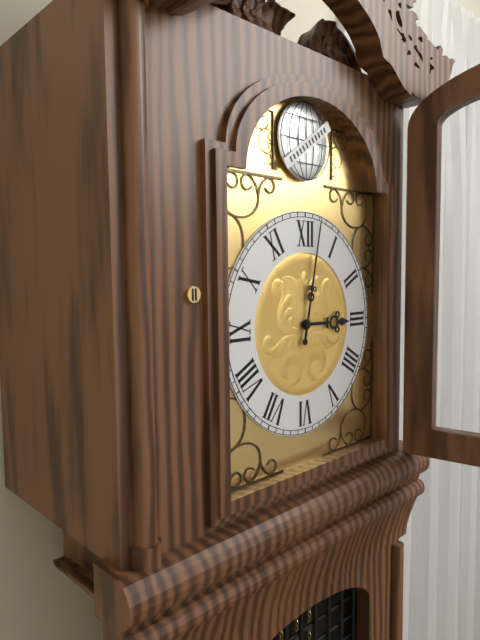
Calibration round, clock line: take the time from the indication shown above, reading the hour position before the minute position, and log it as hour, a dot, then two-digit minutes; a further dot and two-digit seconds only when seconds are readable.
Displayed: 3.02
